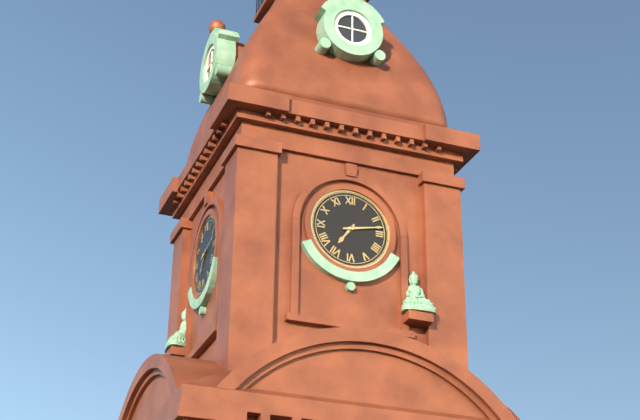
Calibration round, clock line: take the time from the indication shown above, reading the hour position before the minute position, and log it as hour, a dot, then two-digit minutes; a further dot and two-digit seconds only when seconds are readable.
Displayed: 7.13
